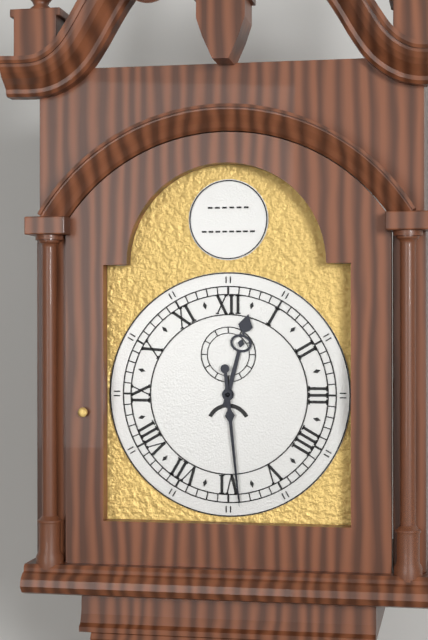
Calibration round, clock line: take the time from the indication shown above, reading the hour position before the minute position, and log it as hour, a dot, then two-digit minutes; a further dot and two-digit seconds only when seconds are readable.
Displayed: 12.29
